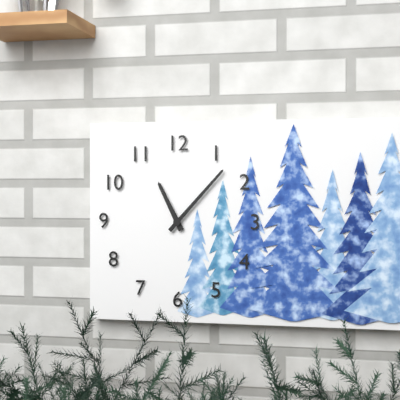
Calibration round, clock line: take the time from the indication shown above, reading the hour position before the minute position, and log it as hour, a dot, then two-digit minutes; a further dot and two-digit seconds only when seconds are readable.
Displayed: 11.07
